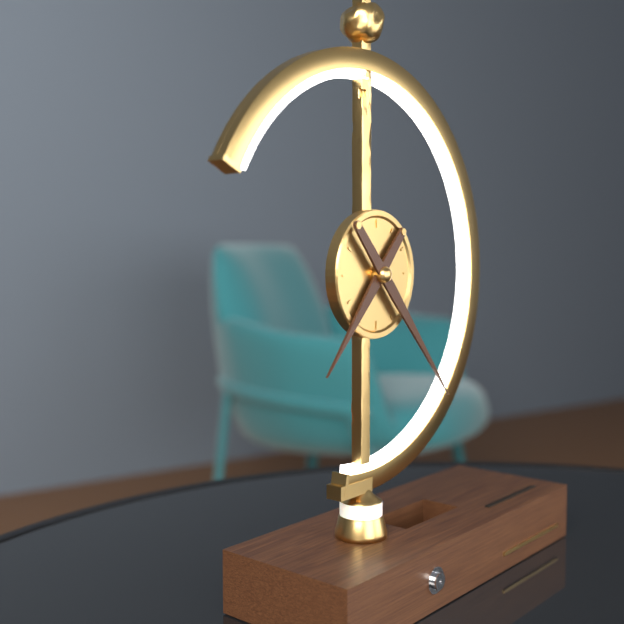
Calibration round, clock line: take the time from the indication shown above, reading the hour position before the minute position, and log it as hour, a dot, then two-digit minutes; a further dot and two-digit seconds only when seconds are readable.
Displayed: 7.23
